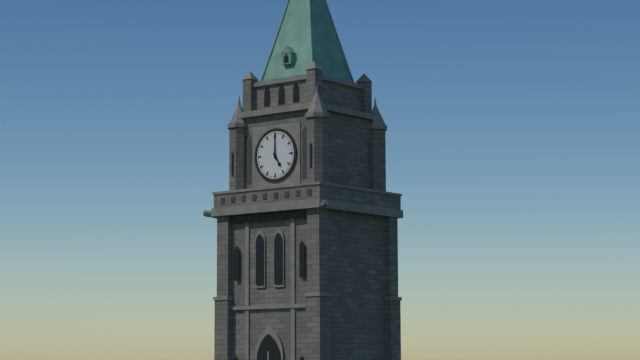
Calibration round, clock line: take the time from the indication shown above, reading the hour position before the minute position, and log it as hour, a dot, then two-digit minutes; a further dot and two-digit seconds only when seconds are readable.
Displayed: 5.00
